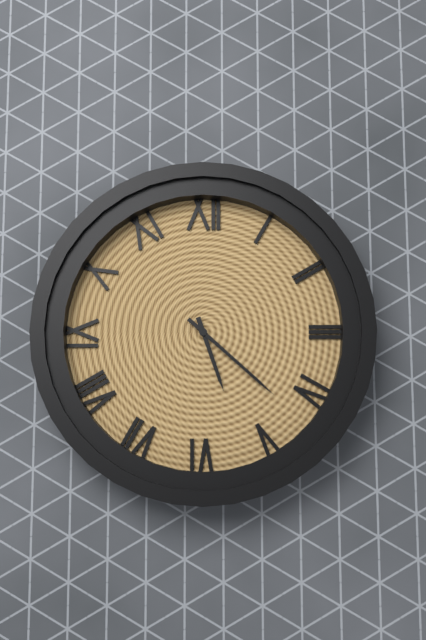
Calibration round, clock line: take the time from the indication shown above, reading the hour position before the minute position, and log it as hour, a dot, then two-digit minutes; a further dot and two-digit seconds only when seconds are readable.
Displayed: 5.22
